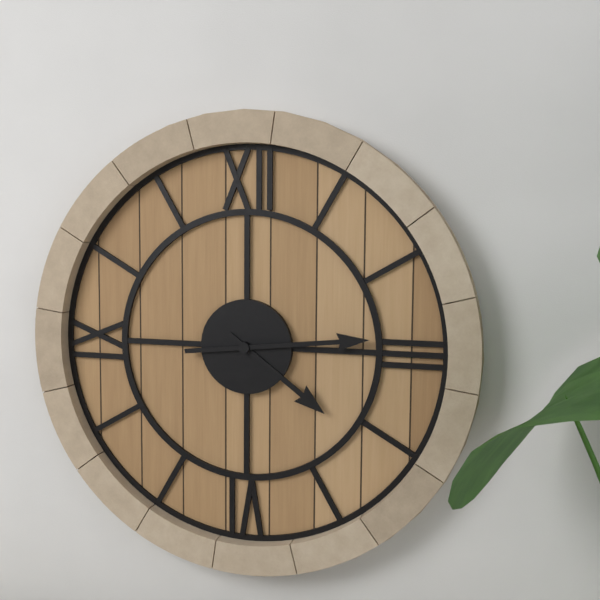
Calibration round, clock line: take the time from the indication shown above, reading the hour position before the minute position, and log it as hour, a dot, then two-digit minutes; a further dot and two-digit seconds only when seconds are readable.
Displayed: 4.14
